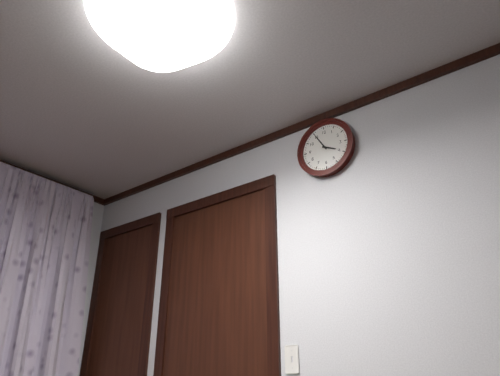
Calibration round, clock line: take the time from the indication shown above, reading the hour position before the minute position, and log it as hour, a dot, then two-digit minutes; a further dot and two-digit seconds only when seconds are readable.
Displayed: 3.55
